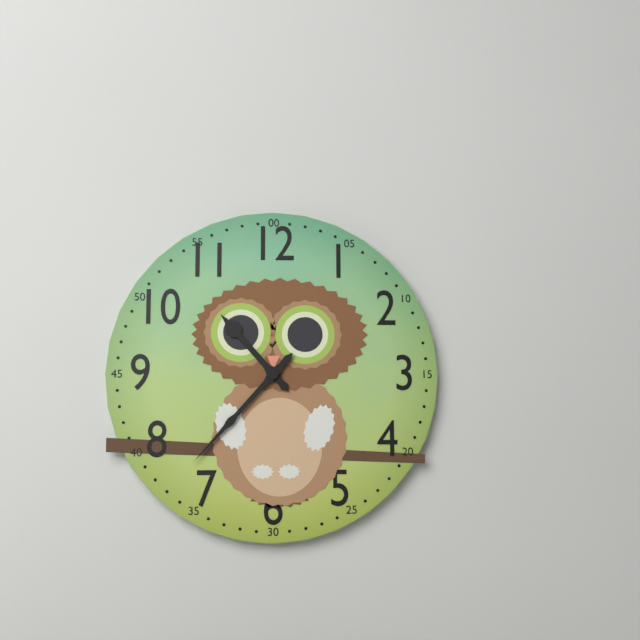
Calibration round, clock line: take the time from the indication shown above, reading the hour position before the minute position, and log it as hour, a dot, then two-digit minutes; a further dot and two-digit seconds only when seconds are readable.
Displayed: 10.37
